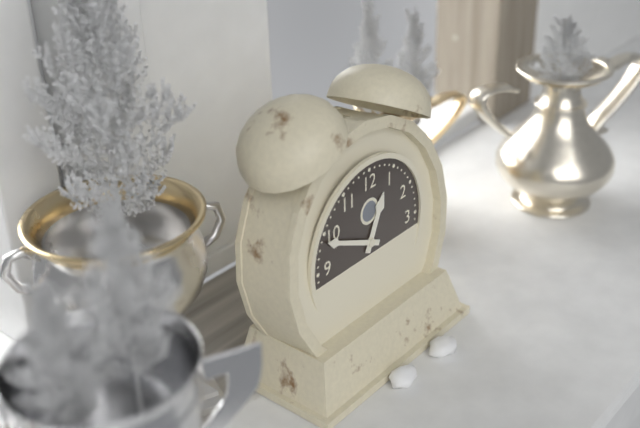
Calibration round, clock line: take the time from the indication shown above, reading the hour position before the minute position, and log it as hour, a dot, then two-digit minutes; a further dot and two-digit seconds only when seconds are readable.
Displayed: 12.49
